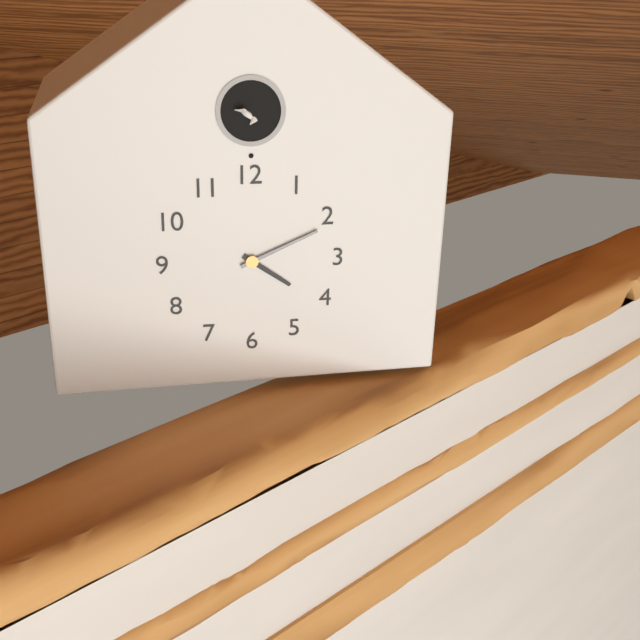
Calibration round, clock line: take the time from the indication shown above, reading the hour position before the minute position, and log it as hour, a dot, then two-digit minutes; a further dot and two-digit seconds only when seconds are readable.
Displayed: 4.11
